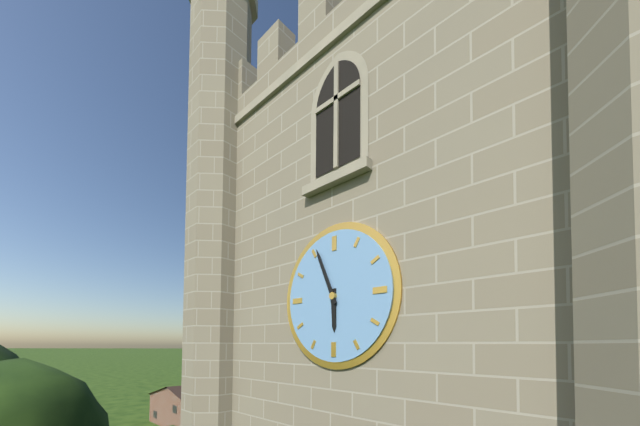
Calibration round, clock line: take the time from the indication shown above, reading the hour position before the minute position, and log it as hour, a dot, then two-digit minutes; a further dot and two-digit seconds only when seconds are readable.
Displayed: 5.56
